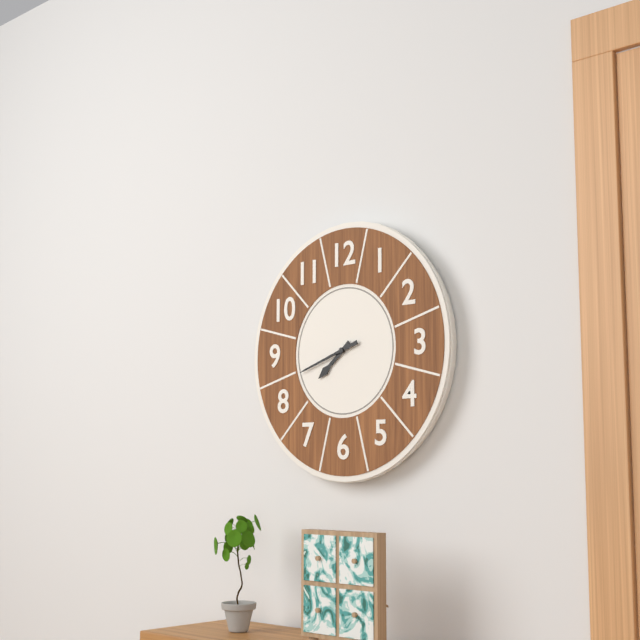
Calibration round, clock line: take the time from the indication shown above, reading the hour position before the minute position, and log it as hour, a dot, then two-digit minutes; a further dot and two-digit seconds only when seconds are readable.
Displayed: 7.42
